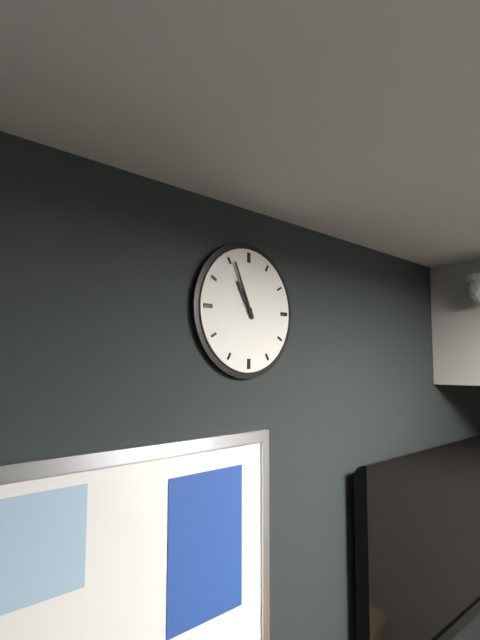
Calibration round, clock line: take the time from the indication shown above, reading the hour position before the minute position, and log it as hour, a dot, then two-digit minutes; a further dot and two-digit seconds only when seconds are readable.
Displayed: 10.56
